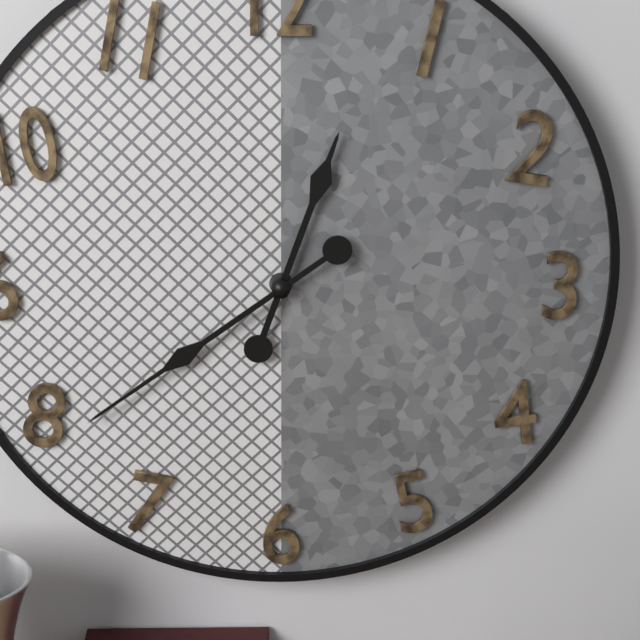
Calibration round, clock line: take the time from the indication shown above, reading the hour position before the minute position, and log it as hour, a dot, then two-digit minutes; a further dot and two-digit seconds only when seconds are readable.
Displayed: 12.39
